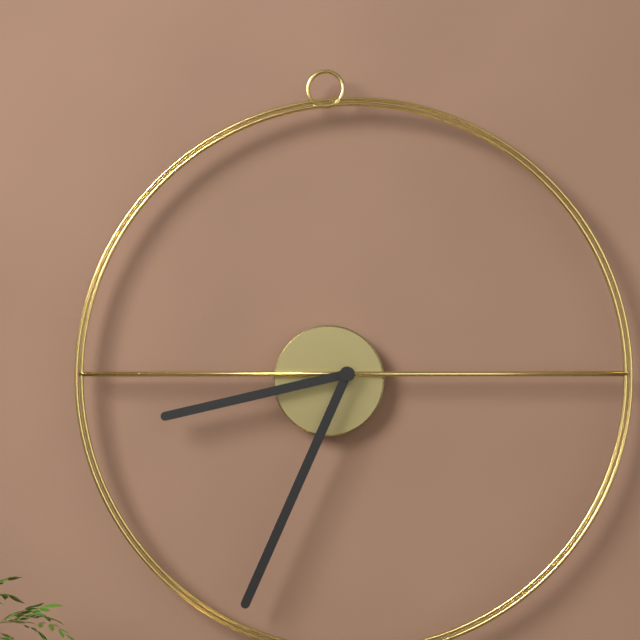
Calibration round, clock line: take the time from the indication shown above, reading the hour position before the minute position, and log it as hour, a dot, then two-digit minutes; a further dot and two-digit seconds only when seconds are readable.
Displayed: 8.34
